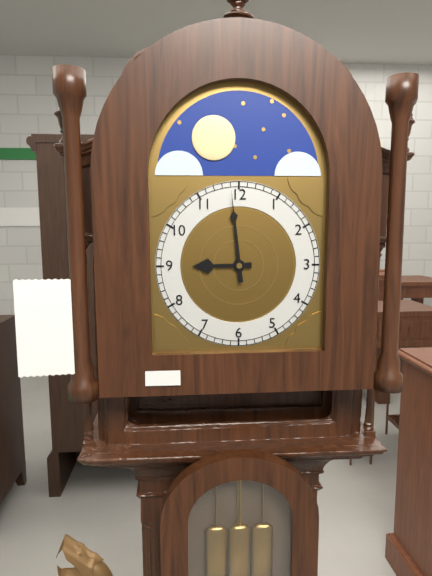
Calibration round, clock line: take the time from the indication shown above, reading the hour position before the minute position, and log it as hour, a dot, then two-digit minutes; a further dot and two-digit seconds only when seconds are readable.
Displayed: 8.59
